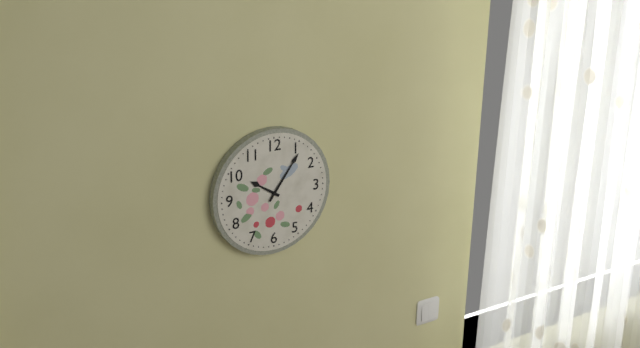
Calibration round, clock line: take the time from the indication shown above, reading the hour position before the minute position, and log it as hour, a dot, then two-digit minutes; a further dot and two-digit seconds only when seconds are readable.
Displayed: 10.06
